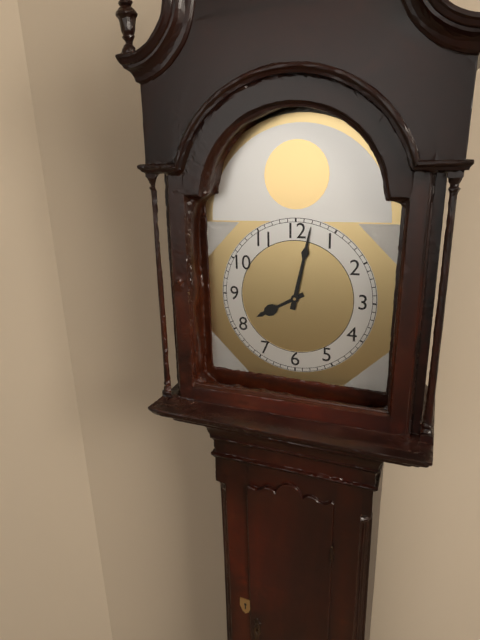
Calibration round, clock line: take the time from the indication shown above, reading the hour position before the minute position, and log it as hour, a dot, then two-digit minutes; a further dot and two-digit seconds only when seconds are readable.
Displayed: 8.02
